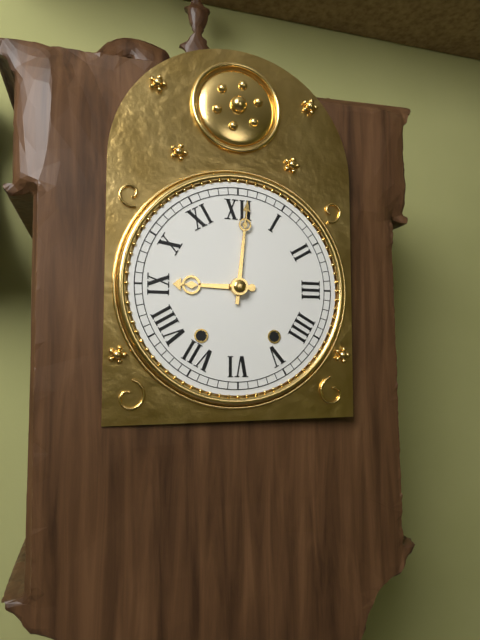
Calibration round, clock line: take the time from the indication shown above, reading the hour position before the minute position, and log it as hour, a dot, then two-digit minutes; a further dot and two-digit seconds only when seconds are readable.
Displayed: 9.01
